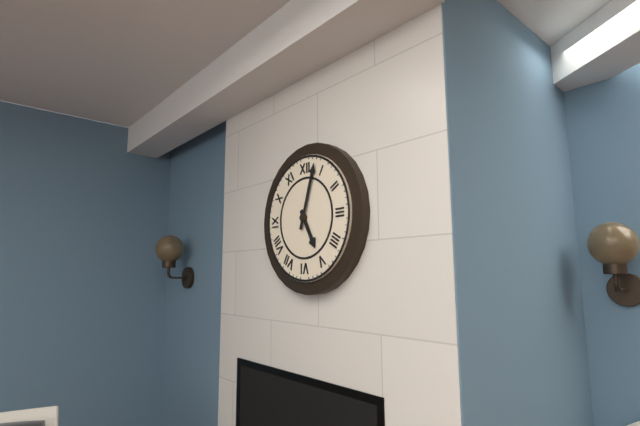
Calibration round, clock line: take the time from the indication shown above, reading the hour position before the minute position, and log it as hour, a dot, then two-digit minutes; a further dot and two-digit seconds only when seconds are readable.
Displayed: 5.03
